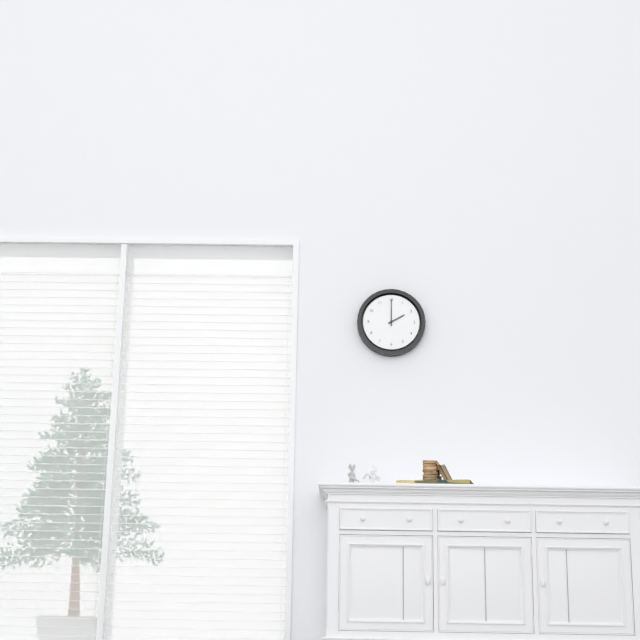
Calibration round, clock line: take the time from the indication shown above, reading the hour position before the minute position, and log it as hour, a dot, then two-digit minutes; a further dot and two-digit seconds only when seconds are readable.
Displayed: 2.00
